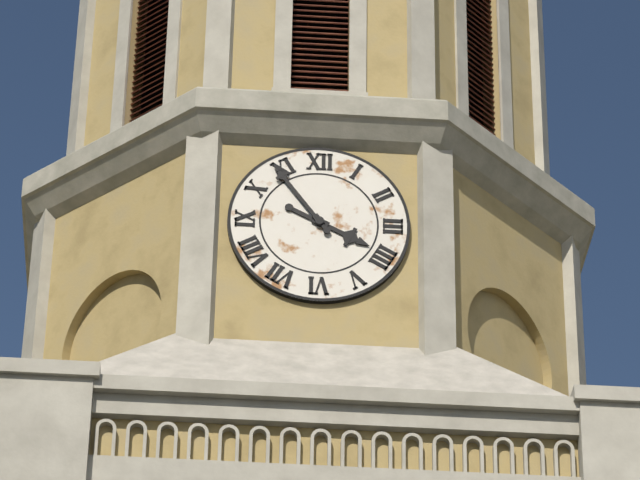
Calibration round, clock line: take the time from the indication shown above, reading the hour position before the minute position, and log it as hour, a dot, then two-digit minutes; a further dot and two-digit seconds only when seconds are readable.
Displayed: 3.54
